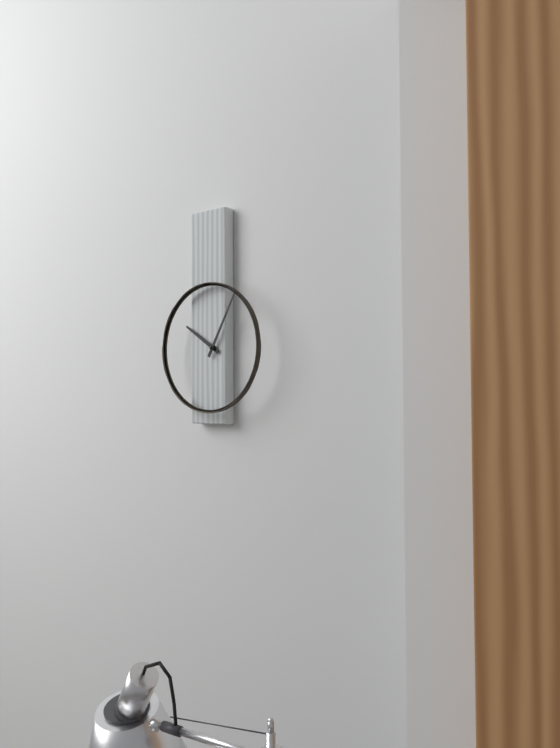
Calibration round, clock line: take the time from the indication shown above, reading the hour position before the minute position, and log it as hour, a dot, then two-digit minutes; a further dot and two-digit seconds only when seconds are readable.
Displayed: 10.05
